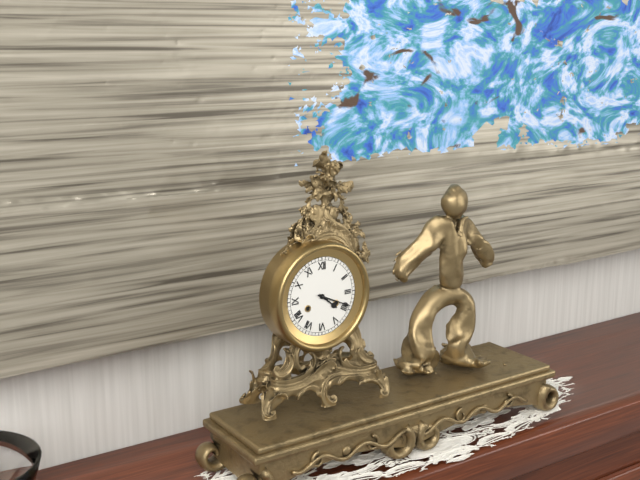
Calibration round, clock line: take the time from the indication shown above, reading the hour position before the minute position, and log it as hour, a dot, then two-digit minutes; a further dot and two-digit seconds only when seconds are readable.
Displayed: 4.19
